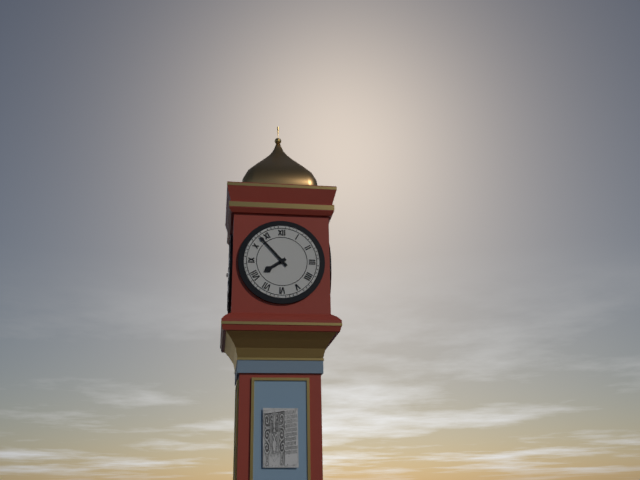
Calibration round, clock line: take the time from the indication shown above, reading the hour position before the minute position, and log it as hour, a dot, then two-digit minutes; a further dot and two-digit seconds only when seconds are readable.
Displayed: 7.53
